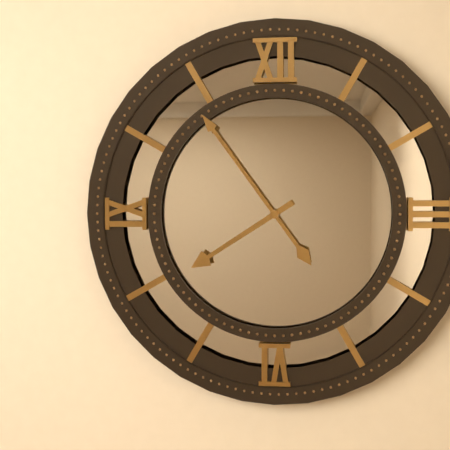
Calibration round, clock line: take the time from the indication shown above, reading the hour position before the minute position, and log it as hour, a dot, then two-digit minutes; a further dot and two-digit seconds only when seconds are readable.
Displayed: 7.54
